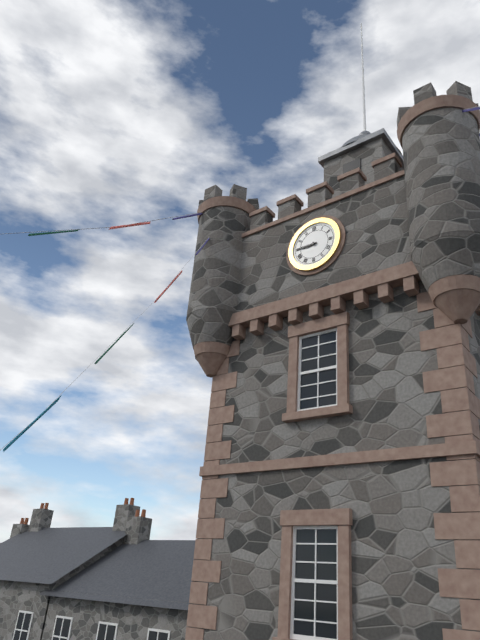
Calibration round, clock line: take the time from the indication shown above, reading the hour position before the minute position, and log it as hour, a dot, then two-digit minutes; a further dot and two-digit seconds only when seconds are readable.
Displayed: 8.45
